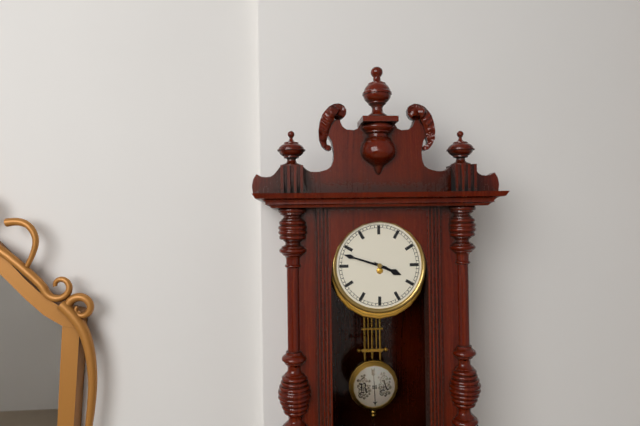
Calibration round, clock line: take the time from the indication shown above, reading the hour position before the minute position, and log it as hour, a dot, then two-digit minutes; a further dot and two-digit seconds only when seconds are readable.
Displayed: 3.48
